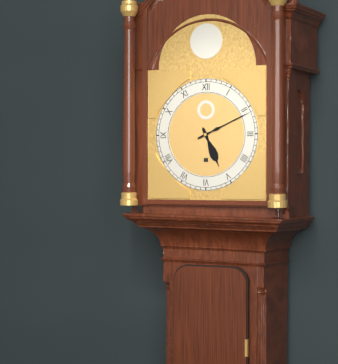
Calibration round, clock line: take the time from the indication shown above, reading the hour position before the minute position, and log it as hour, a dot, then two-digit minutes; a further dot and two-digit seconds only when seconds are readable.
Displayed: 5.11
